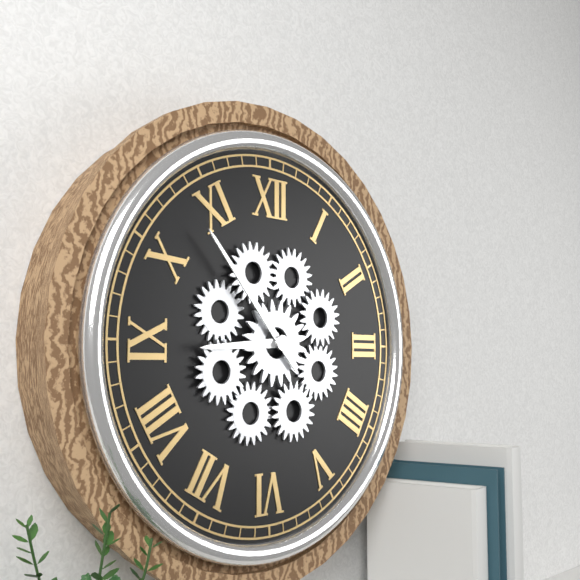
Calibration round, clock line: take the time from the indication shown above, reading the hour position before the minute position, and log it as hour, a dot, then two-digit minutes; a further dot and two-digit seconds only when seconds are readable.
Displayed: 8.53
